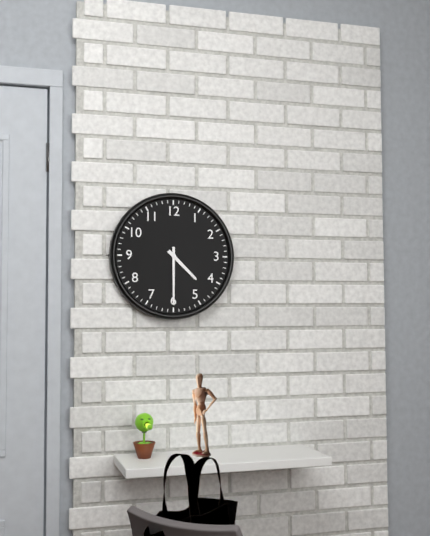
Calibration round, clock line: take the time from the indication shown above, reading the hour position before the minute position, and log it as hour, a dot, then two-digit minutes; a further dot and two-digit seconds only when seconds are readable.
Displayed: 4.30
